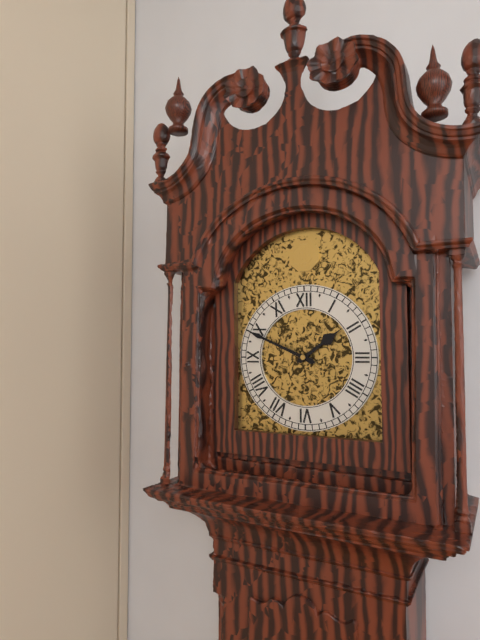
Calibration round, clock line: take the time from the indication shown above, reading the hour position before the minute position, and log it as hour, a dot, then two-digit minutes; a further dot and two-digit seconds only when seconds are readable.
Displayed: 1.49
